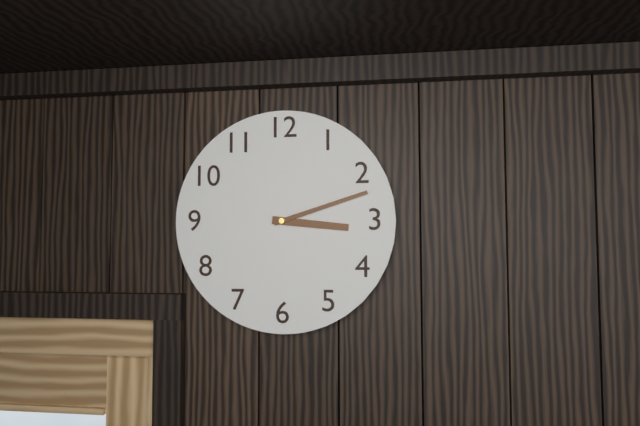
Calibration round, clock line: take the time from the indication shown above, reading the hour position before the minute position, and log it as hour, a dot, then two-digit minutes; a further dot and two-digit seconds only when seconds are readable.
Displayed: 3.12
